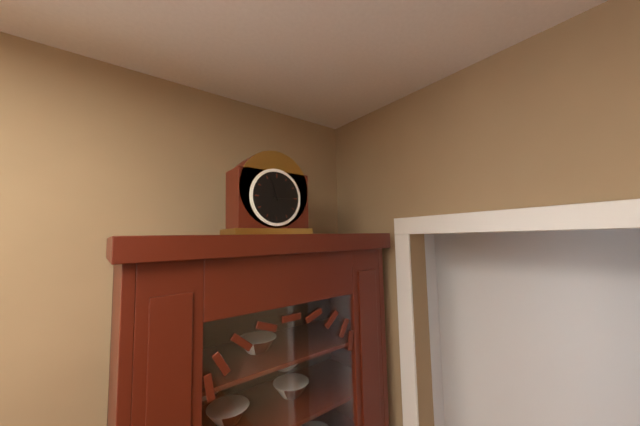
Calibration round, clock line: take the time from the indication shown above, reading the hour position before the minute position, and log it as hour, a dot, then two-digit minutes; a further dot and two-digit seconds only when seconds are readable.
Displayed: 2.57
